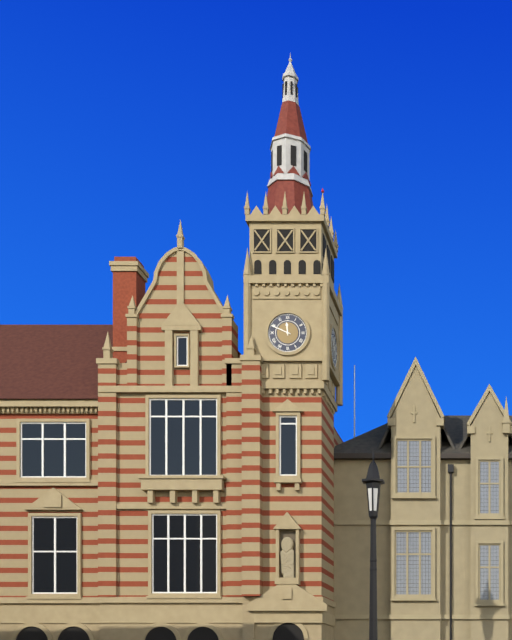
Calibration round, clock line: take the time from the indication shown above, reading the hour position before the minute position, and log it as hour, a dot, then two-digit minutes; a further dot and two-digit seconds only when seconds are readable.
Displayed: 11.49
